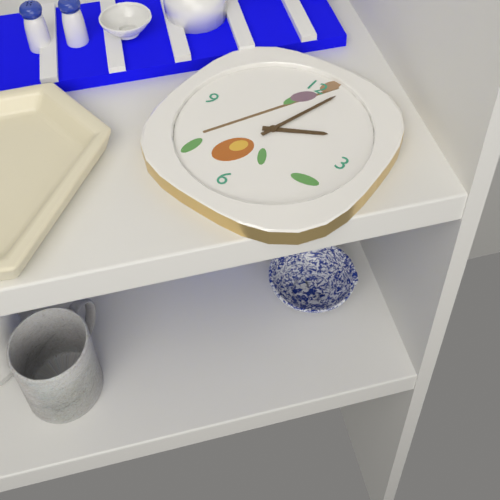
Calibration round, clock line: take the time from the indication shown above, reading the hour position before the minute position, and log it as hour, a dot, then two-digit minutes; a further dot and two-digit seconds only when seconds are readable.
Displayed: 2.03
